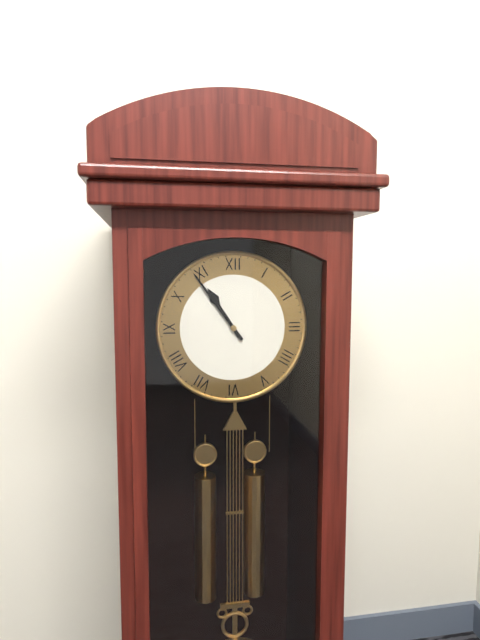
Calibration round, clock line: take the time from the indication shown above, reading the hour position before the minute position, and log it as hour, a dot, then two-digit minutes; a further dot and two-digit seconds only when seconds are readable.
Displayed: 10.54
